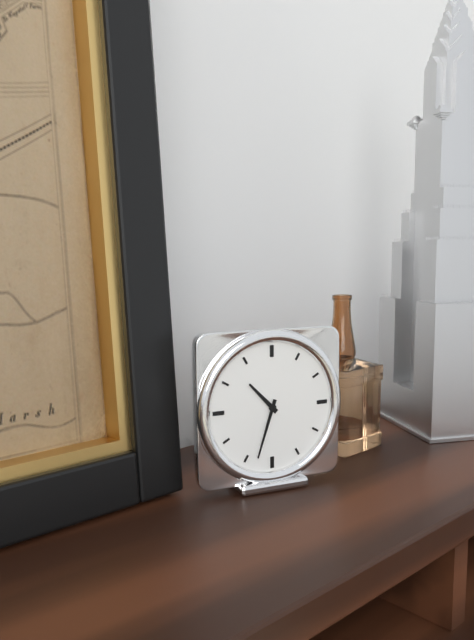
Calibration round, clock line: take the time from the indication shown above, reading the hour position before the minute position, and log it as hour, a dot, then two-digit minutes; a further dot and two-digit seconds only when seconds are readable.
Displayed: 10.33
